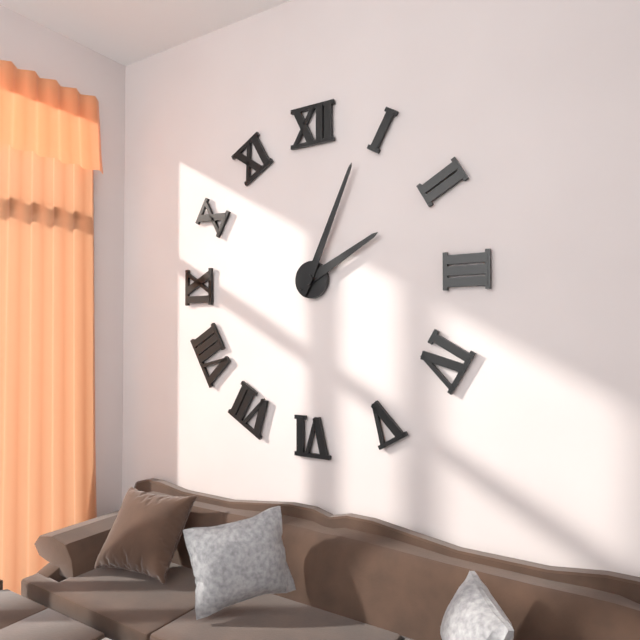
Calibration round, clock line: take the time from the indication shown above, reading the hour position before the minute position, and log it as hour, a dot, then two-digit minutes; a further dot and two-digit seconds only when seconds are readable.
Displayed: 2.04
